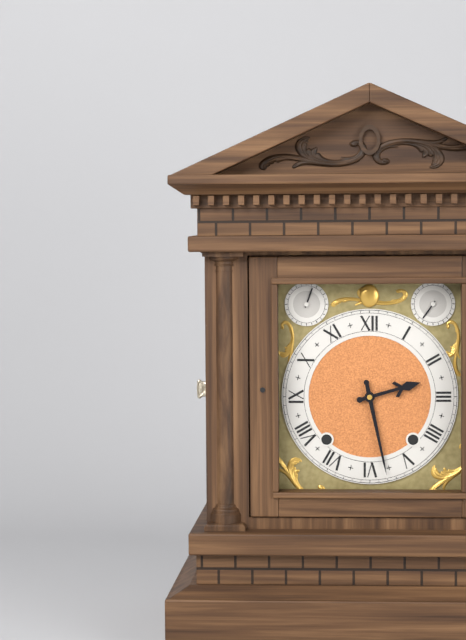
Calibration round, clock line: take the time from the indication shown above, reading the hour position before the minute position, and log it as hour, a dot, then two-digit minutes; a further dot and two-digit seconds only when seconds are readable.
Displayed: 2.28
